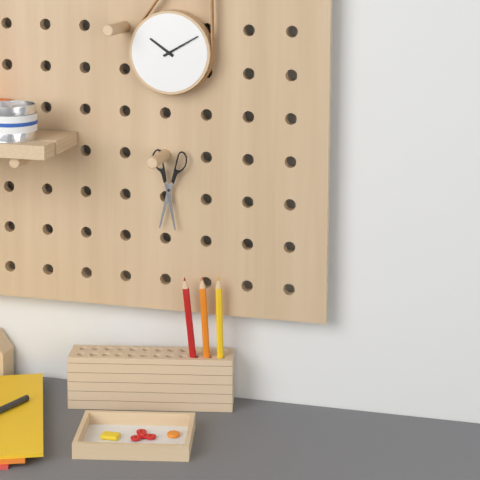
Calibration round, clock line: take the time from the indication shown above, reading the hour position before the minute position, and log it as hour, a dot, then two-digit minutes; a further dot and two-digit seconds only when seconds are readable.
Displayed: 10.10
